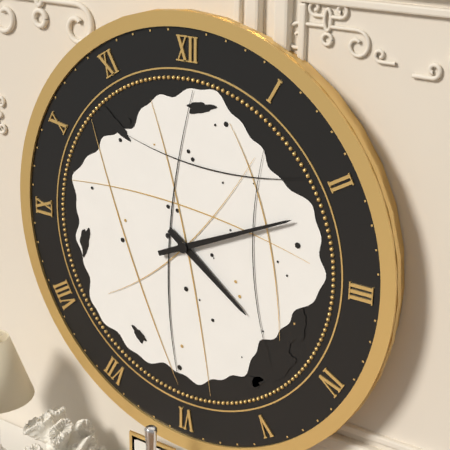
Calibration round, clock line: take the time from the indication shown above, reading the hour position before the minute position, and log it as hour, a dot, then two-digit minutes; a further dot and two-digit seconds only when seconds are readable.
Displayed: 4.11
